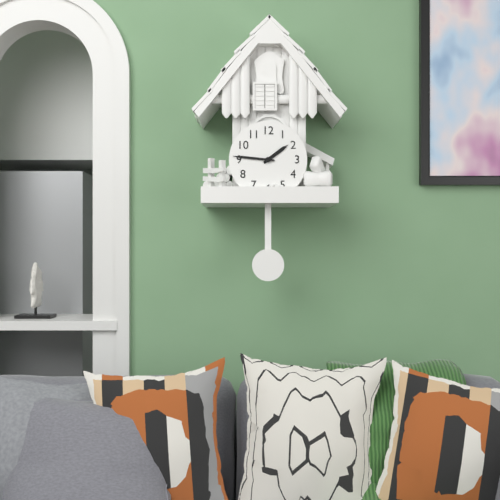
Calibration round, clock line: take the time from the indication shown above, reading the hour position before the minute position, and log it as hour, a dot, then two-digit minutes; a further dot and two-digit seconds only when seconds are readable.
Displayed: 1.46
